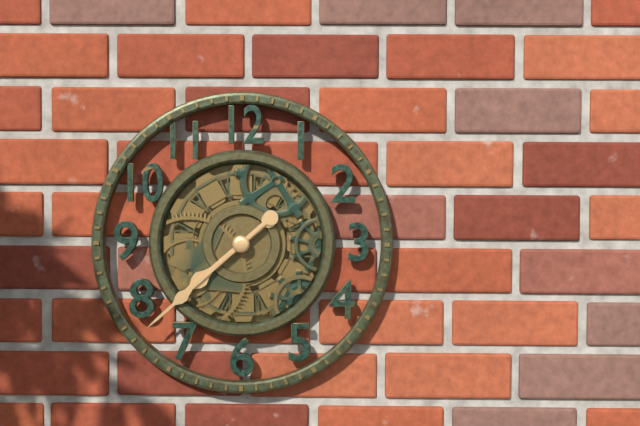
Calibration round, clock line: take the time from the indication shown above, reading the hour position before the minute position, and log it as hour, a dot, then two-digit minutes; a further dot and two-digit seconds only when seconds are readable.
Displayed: 7.38
